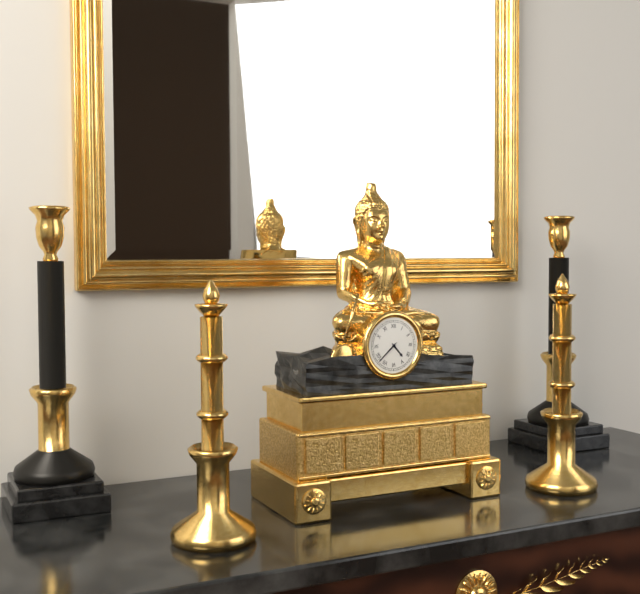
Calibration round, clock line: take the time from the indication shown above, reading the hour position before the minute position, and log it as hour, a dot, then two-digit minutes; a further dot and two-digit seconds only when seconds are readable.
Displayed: 4.38
